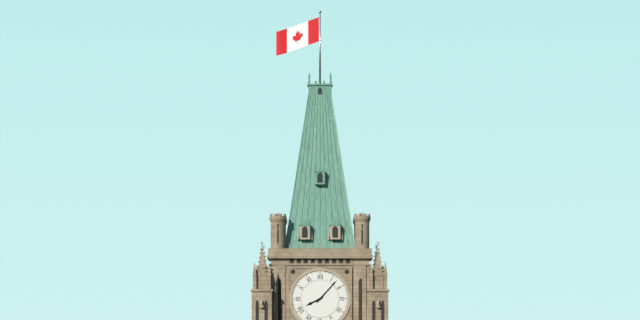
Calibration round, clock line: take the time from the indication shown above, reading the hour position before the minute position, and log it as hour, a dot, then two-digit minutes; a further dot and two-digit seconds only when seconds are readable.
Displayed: 8.07
